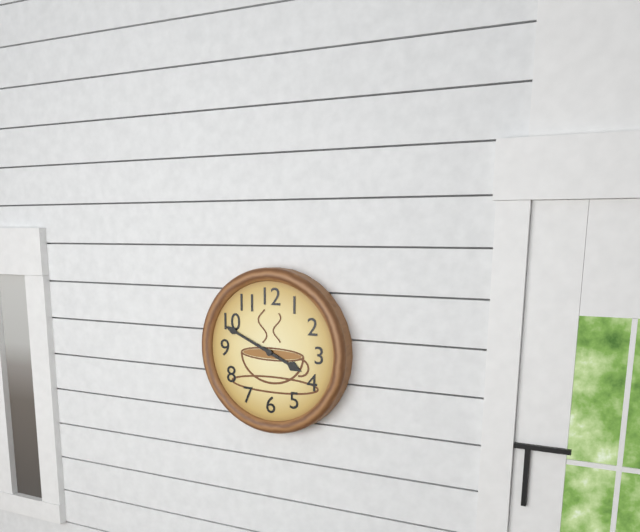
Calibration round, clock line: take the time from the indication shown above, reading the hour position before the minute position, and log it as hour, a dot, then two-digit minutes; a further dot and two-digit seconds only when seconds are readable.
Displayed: 3.49
